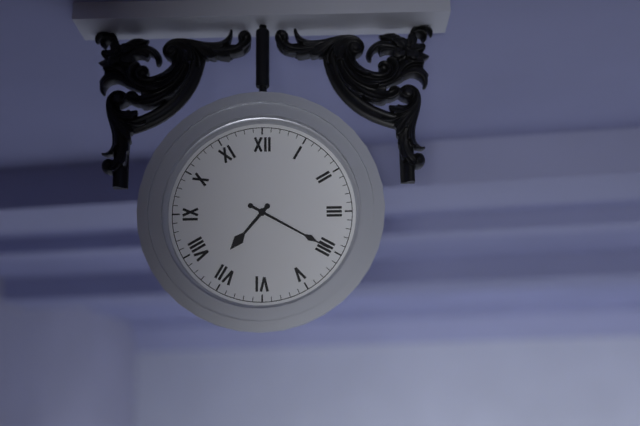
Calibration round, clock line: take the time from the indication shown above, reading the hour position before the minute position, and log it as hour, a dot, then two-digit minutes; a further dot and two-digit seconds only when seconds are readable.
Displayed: 7.20
